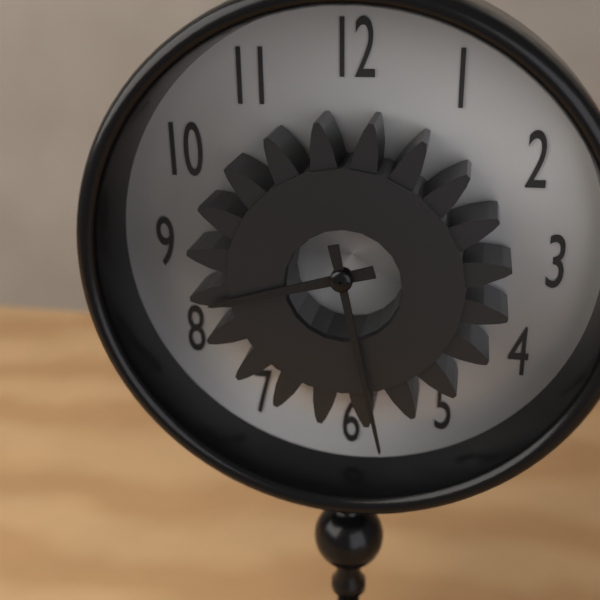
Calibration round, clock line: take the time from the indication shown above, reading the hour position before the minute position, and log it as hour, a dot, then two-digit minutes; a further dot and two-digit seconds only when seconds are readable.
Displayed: 8.28
